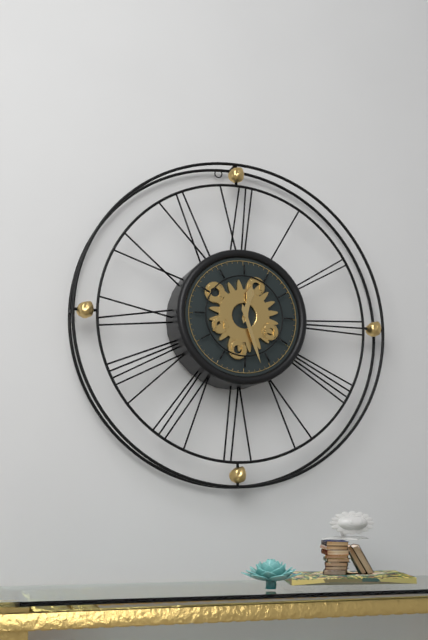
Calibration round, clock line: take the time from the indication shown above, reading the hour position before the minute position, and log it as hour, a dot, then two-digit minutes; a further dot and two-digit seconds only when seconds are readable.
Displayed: 12.27
